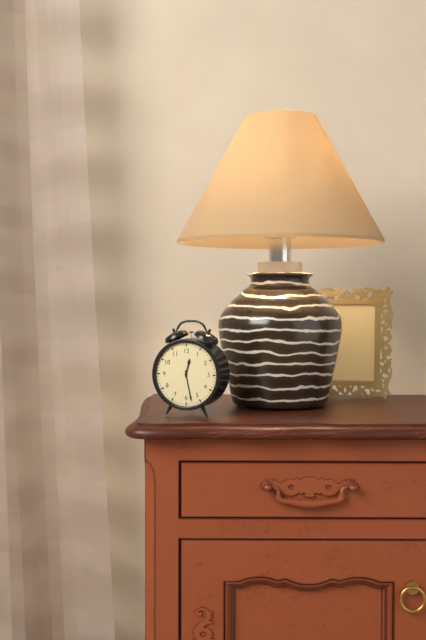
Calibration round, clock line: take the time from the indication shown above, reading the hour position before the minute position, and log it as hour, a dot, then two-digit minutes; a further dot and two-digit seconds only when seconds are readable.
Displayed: 12.28
